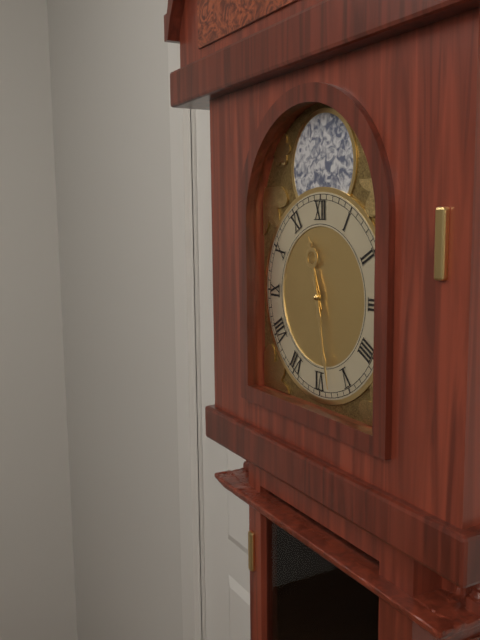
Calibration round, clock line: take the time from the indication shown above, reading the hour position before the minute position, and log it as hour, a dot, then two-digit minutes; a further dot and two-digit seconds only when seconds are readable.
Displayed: 11.28
